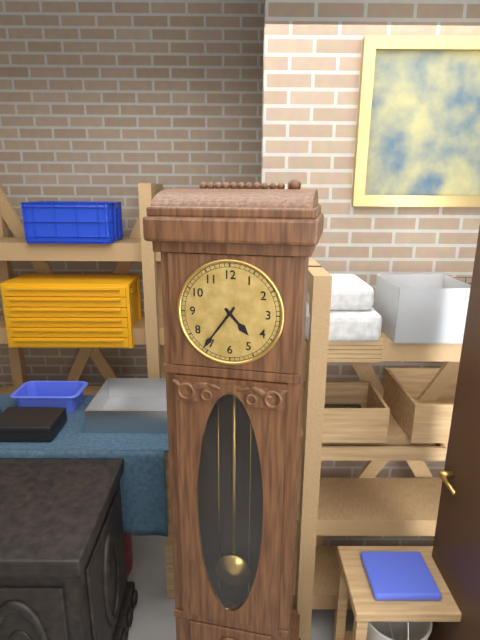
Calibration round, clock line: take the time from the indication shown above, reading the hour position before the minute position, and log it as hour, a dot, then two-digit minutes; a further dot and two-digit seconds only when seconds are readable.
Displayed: 4.36
